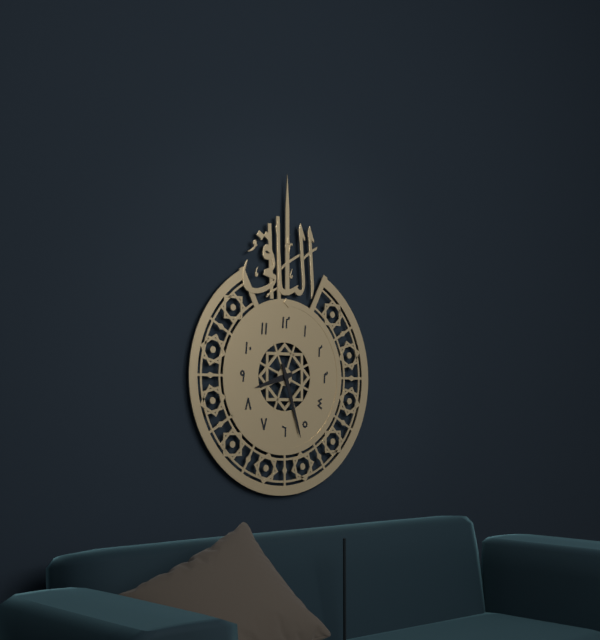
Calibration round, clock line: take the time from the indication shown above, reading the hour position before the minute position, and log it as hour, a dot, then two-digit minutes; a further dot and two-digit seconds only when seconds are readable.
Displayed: 8.27
